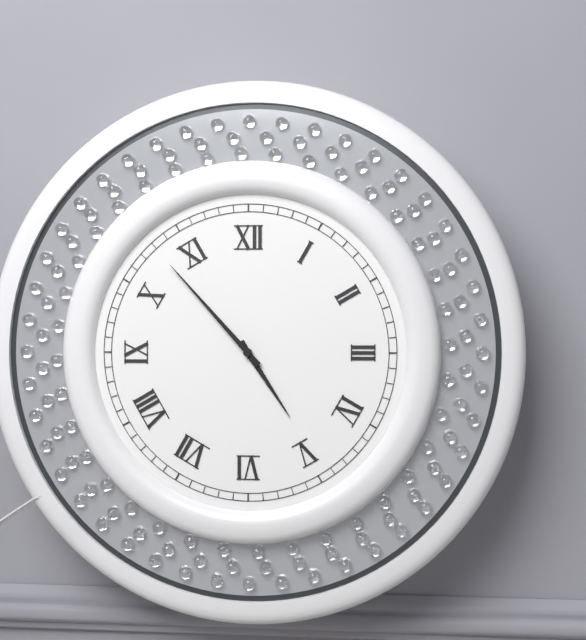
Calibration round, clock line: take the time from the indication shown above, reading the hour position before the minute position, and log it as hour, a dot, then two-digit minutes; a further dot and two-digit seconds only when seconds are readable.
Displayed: 4.53
